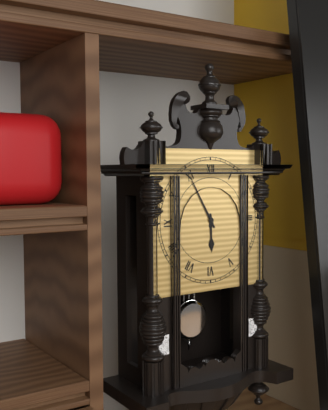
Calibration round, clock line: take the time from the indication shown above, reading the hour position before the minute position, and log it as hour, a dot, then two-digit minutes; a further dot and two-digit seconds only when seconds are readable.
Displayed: 5.55
